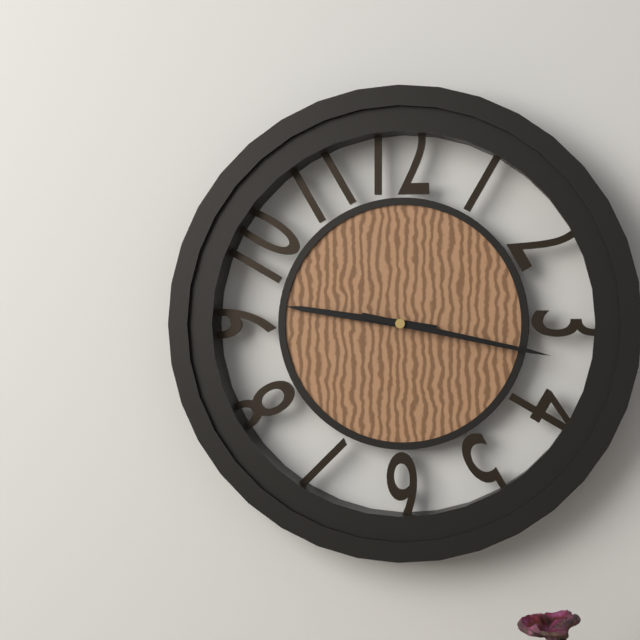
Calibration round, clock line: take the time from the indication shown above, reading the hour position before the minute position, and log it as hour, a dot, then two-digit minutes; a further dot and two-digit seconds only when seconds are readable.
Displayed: 9.17
